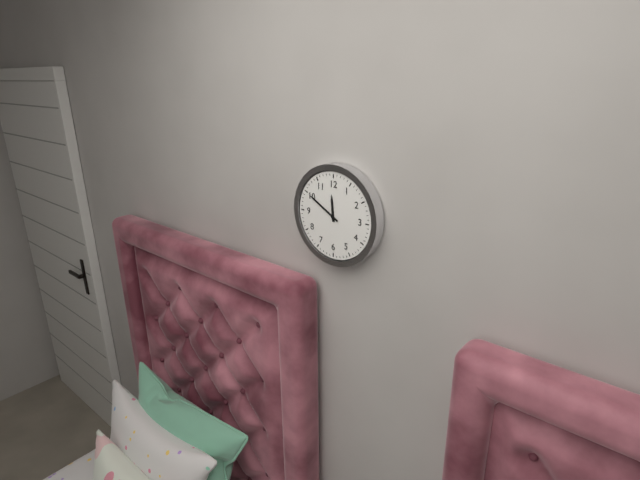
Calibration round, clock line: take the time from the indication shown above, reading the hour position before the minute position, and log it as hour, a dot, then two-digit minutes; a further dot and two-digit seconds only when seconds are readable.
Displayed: 11.50
